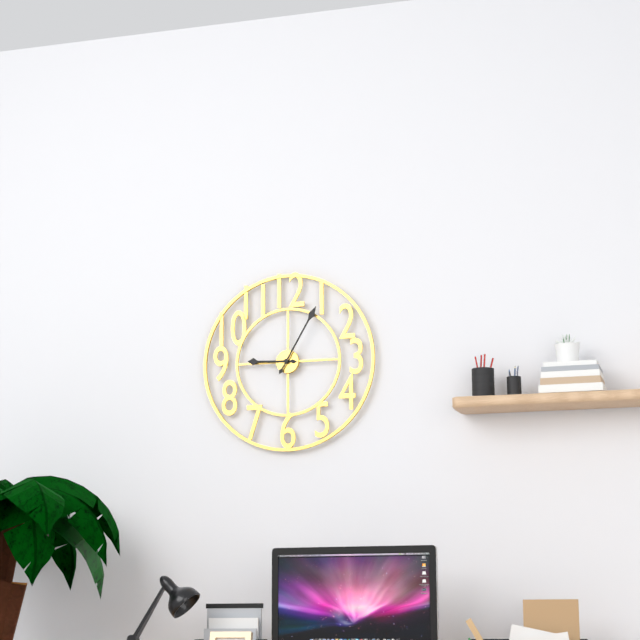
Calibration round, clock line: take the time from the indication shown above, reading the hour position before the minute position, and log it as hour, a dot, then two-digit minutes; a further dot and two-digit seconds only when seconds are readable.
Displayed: 9.05
